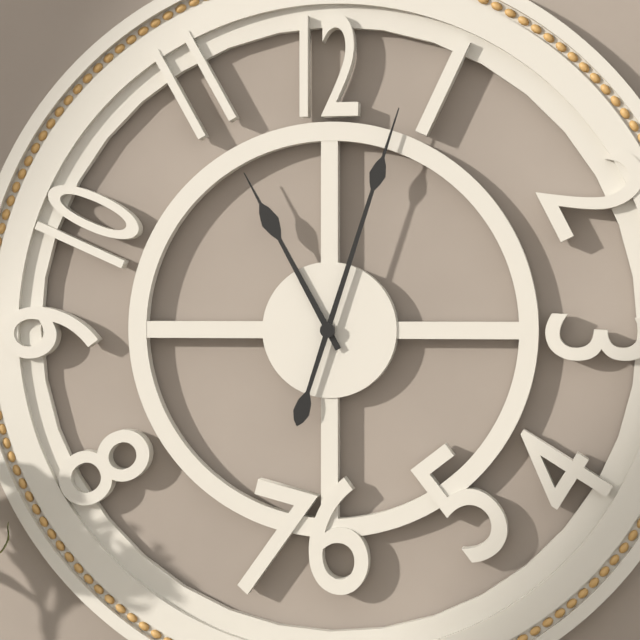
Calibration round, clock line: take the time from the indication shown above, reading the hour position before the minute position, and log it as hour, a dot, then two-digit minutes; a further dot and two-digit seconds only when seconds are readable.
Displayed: 11.03
